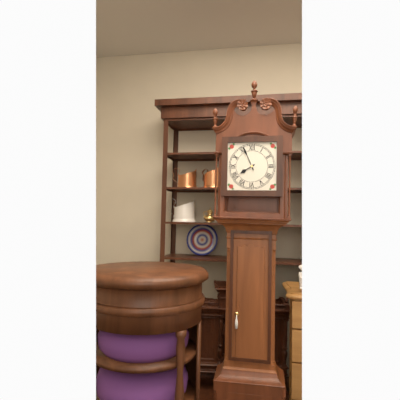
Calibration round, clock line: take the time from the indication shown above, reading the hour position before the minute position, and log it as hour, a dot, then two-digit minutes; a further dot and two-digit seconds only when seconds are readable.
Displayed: 7.56
